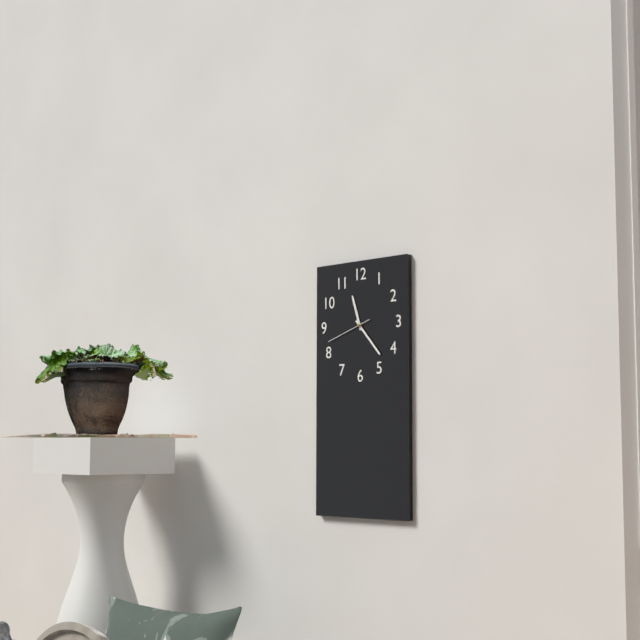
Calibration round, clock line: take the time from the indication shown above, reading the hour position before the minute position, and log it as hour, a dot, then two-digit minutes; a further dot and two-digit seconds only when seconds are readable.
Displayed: 11.23
